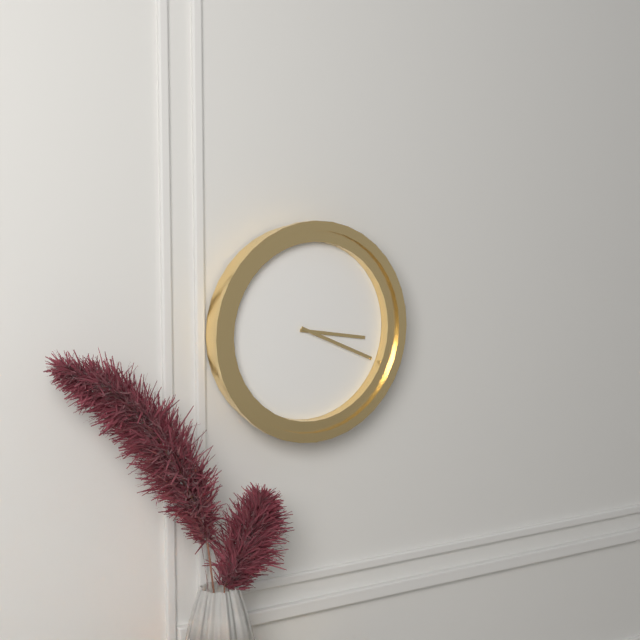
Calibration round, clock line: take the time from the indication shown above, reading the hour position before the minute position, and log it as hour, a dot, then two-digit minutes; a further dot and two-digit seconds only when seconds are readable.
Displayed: 3.19
